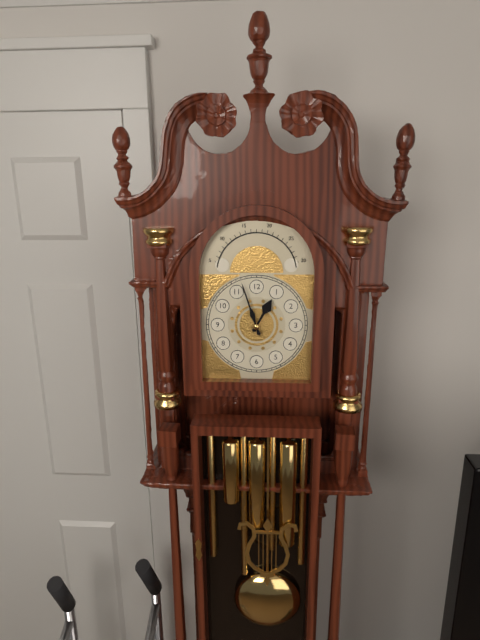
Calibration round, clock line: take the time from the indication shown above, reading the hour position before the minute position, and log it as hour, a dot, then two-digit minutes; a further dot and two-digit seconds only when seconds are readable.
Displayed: 12.57
